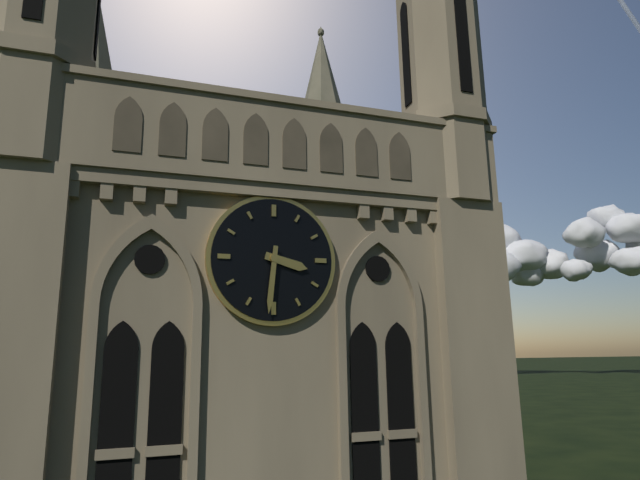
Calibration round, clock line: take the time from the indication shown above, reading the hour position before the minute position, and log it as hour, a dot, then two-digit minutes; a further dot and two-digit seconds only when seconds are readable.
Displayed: 3.31
